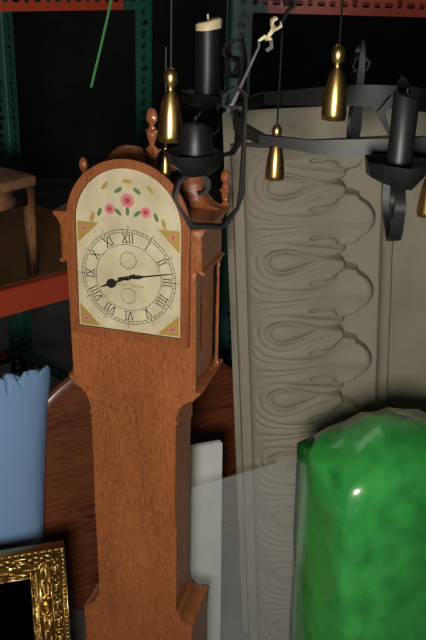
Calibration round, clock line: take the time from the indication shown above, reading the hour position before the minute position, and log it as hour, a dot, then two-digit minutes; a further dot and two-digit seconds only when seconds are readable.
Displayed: 8.13
